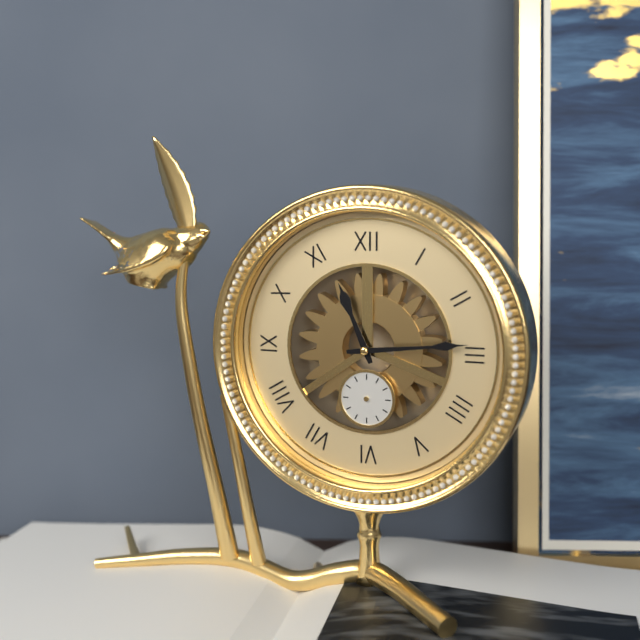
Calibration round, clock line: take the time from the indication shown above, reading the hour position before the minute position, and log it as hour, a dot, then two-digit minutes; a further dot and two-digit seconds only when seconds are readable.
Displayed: 11.14
